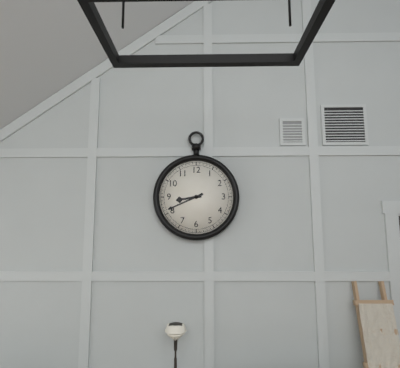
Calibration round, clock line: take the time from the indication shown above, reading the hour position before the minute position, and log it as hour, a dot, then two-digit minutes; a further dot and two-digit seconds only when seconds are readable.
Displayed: 8.41
